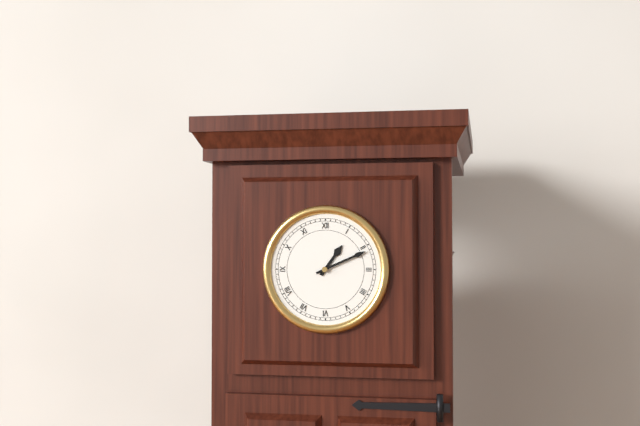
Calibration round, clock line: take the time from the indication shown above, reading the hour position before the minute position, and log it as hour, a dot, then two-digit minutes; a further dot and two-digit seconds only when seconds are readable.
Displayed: 1.11
